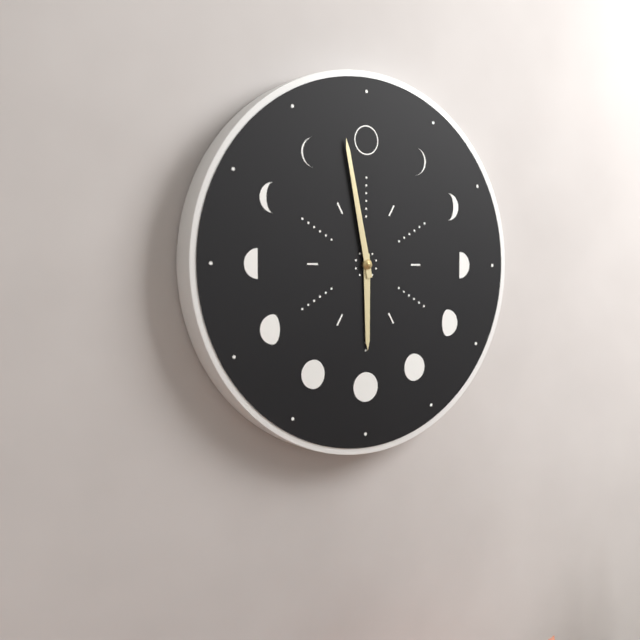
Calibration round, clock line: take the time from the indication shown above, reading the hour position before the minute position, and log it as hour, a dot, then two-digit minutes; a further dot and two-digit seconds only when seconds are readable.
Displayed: 5.58
